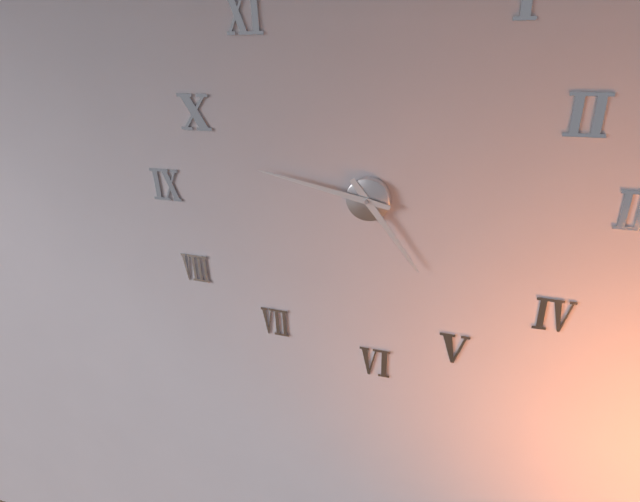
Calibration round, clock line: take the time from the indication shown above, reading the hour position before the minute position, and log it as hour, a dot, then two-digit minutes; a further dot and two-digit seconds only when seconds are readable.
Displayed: 4.47
